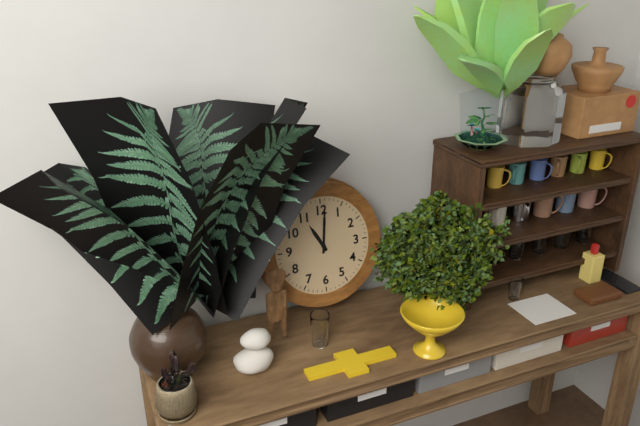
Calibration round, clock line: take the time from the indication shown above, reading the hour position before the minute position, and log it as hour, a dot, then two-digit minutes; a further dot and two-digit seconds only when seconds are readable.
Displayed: 11.01
